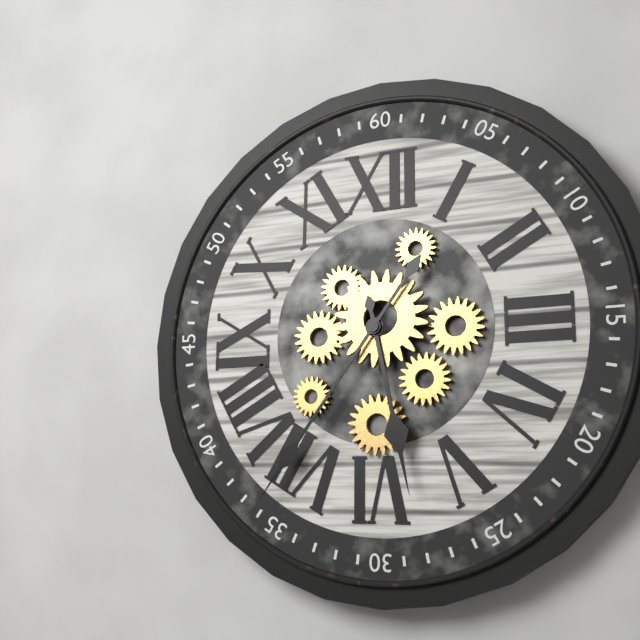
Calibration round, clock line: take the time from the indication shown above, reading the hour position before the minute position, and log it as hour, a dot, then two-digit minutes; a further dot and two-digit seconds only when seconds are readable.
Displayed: 5.36
